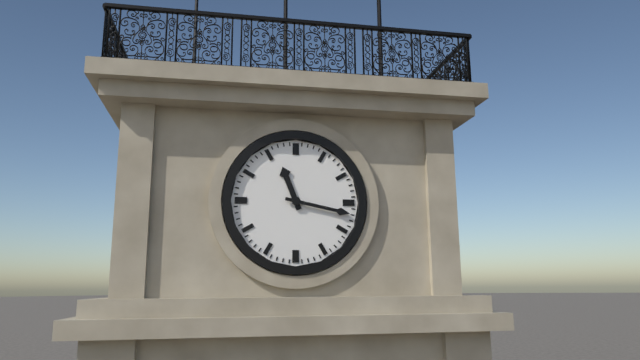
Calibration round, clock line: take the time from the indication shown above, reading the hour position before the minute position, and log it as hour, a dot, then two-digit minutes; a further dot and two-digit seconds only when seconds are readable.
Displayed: 11.17
